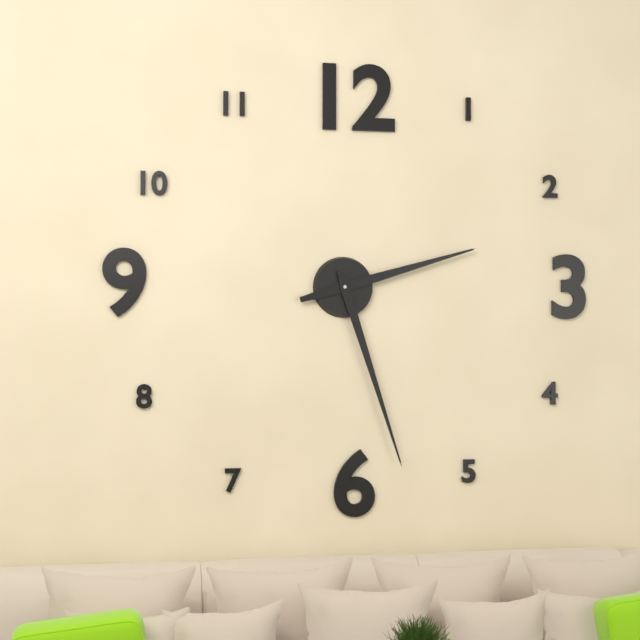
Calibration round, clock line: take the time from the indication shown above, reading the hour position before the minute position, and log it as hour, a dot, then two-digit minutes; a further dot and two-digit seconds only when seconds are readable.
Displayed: 2.27
